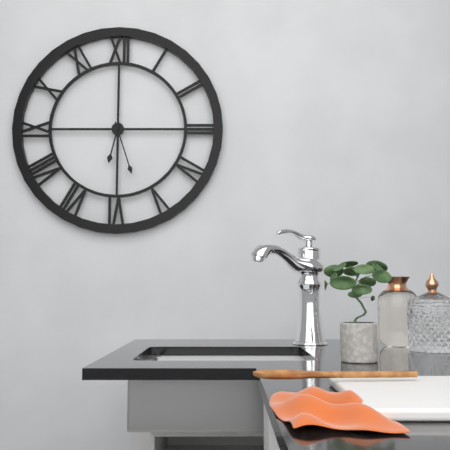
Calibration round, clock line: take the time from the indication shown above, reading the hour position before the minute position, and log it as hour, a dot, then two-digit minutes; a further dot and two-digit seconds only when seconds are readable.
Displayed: 6.27
